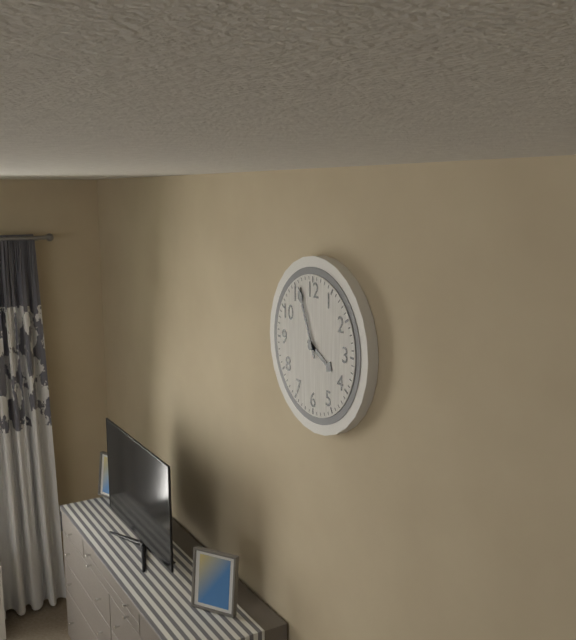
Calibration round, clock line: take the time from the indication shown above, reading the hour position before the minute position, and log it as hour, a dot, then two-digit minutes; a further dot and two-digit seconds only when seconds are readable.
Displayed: 3.56
